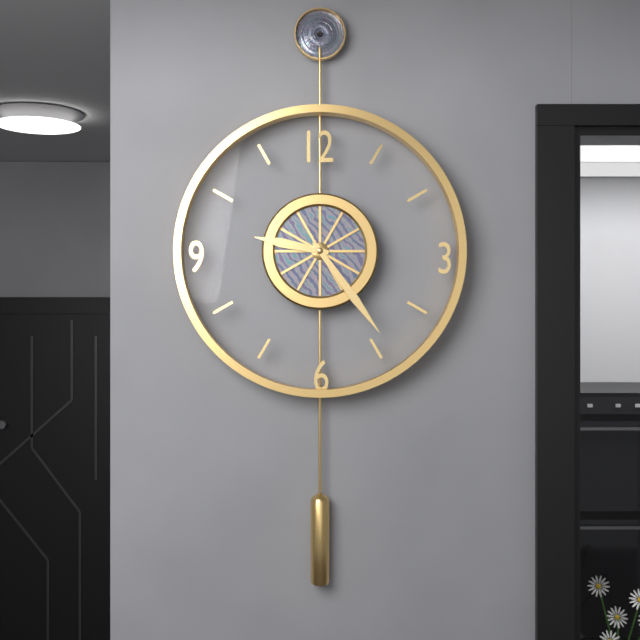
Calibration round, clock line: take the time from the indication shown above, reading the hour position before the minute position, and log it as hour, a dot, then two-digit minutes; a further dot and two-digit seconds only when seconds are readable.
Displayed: 9.24
